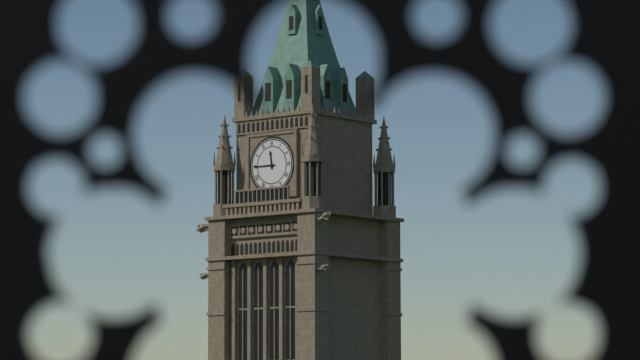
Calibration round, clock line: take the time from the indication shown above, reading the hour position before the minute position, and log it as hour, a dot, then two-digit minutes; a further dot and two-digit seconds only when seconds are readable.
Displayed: 11.45
